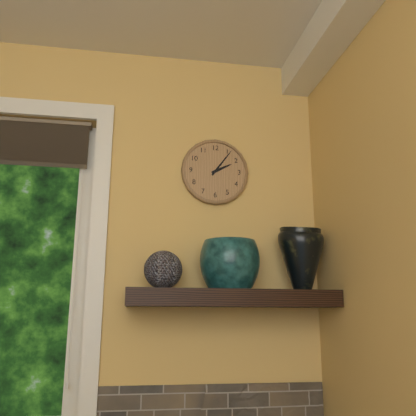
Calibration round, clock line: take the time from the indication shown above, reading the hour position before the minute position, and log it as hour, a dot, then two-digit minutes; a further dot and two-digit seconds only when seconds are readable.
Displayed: 2.06
